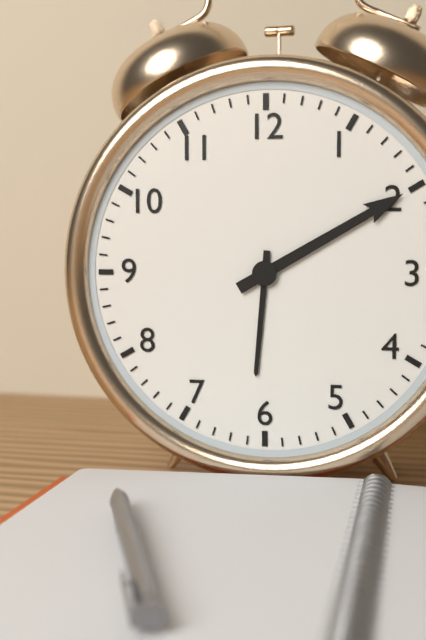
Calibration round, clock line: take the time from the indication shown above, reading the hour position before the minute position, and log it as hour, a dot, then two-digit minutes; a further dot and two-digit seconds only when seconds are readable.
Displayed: 6.10
